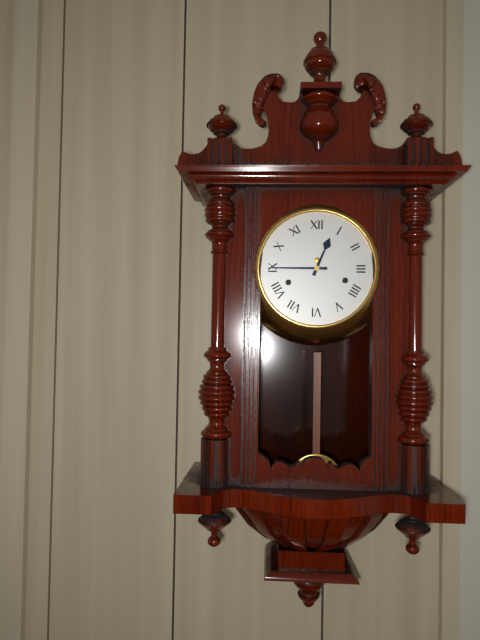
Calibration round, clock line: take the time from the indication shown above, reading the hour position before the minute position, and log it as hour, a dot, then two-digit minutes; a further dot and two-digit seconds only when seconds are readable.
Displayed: 12.45
